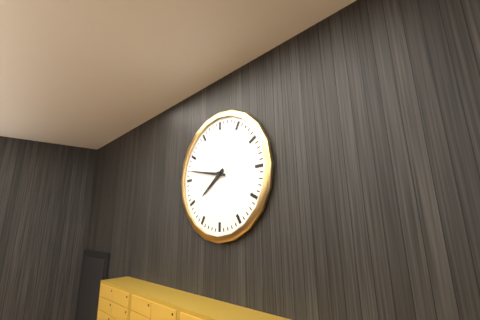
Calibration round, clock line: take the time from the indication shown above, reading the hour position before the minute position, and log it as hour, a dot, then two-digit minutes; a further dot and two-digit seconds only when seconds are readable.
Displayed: 7.47
